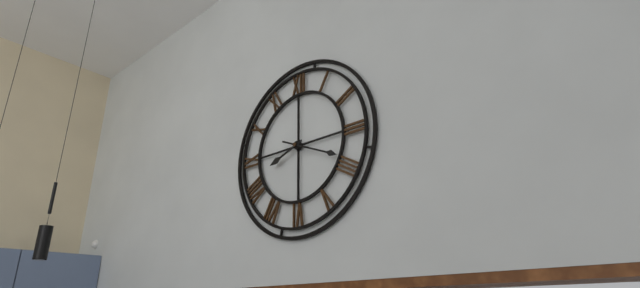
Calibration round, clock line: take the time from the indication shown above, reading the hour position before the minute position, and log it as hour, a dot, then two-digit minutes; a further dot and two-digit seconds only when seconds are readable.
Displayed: 8.19
